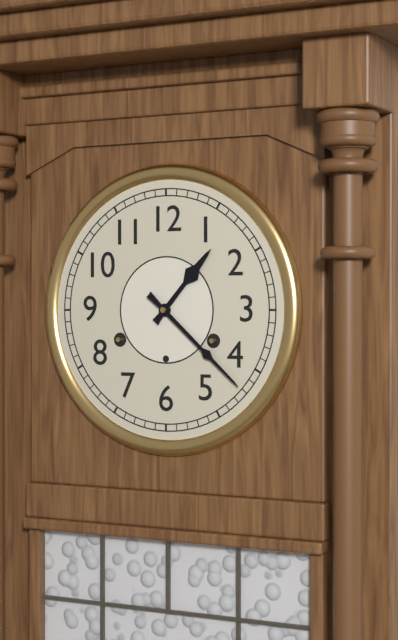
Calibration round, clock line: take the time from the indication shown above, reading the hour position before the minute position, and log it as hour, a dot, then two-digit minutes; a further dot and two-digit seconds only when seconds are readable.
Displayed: 1.22
